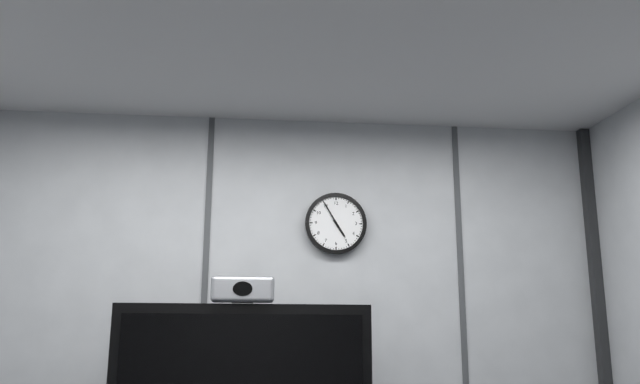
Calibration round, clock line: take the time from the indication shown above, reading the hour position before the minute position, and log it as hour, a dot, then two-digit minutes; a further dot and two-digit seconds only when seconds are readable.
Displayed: 4.55
